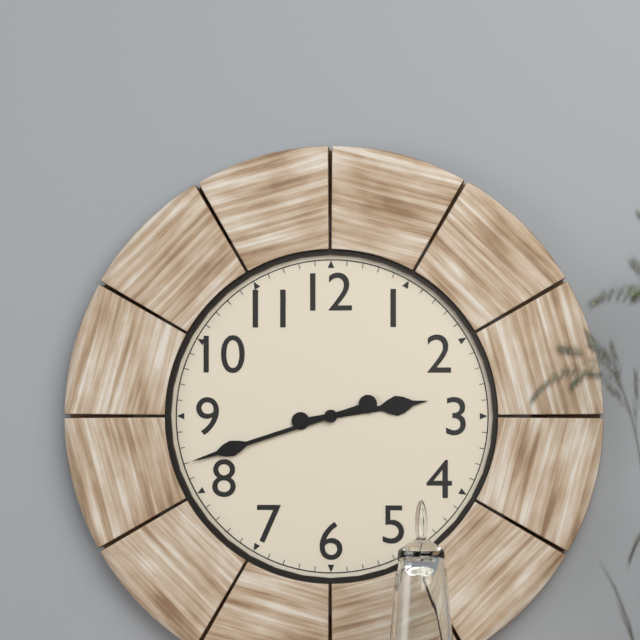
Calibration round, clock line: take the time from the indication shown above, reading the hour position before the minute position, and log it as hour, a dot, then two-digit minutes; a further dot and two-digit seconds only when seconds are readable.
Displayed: 2.42
